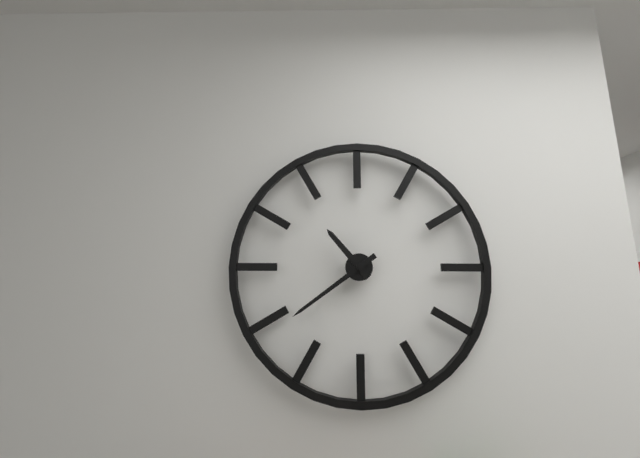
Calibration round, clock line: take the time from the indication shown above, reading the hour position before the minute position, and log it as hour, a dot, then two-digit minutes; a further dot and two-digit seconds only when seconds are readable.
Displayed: 10.39
